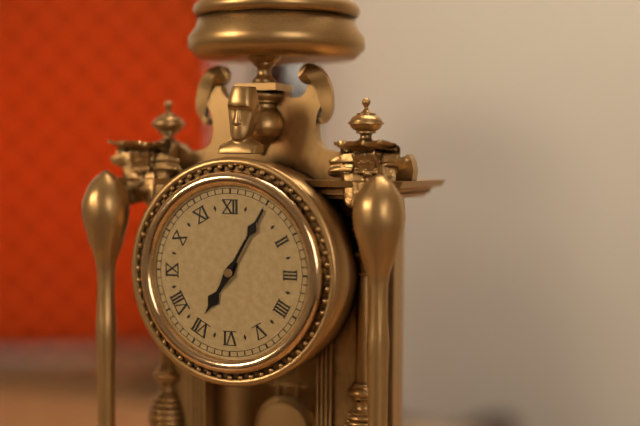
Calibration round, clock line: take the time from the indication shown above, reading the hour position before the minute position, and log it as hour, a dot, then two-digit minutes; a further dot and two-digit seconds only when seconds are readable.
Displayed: 7.05
